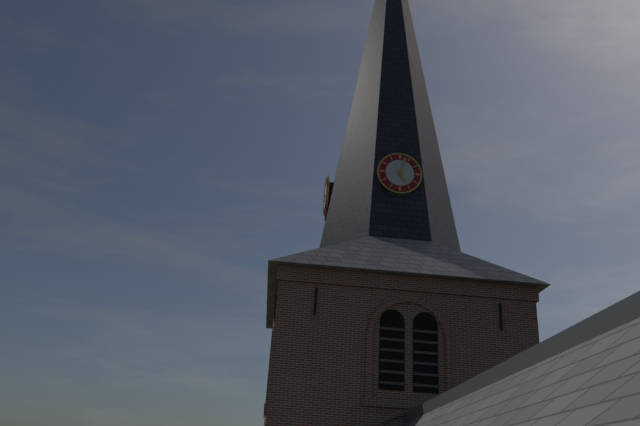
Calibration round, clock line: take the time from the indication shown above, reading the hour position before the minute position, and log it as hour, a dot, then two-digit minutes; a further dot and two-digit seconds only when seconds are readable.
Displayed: 5.03
